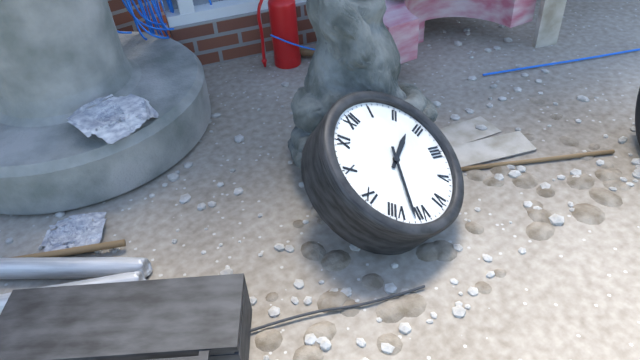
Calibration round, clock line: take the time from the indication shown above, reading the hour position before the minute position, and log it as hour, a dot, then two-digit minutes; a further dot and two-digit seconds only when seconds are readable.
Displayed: 2.37
